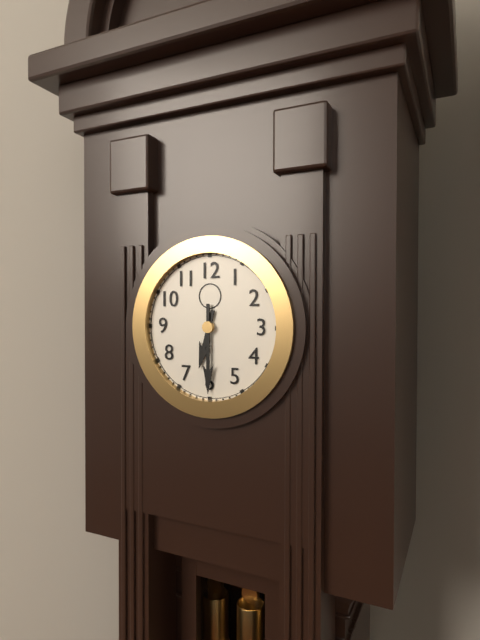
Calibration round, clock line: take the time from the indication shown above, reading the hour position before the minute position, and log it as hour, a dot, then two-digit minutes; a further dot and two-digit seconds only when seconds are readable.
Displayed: 6.30
